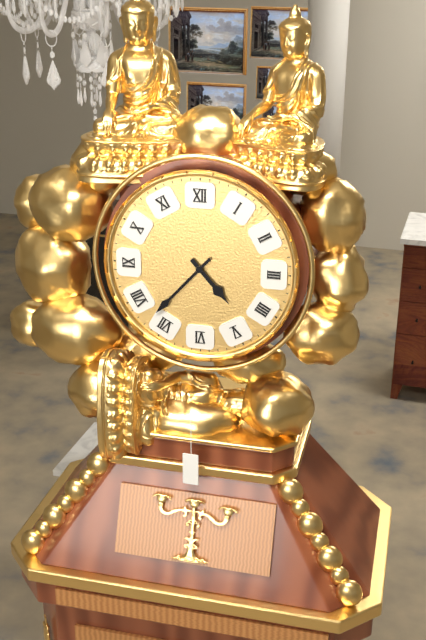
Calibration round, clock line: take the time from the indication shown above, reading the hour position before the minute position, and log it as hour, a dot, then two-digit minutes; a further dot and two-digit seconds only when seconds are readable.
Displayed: 4.37
